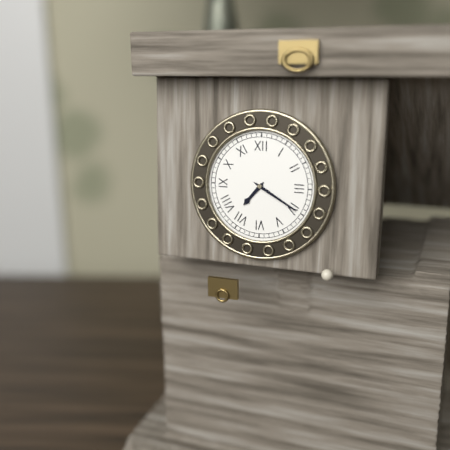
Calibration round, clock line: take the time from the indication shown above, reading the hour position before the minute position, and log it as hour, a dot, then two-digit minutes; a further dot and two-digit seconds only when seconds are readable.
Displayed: 7.20
